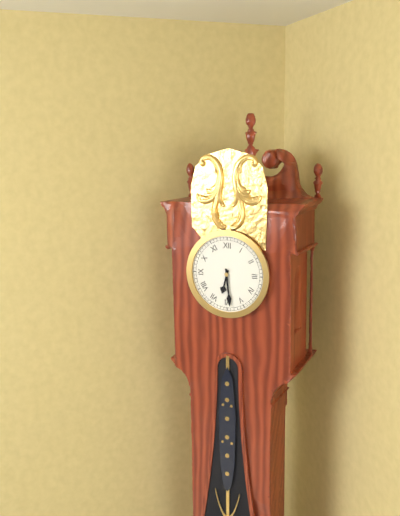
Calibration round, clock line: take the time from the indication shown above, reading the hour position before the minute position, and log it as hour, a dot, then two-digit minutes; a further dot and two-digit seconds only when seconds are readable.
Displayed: 6.29
